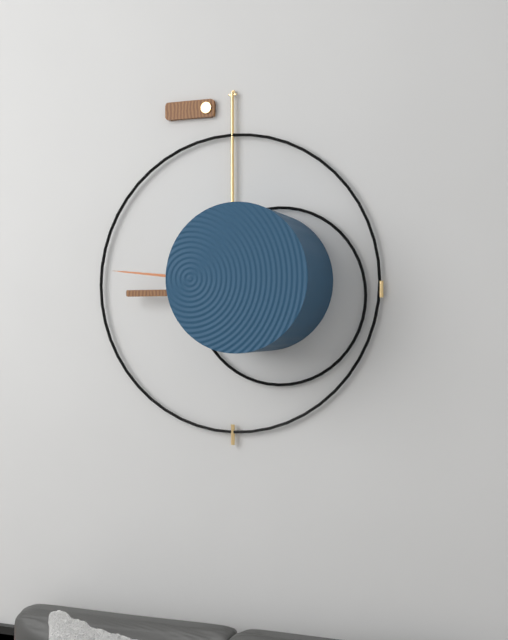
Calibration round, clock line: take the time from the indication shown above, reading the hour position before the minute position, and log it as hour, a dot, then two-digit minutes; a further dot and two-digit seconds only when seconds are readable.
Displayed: 4.46
